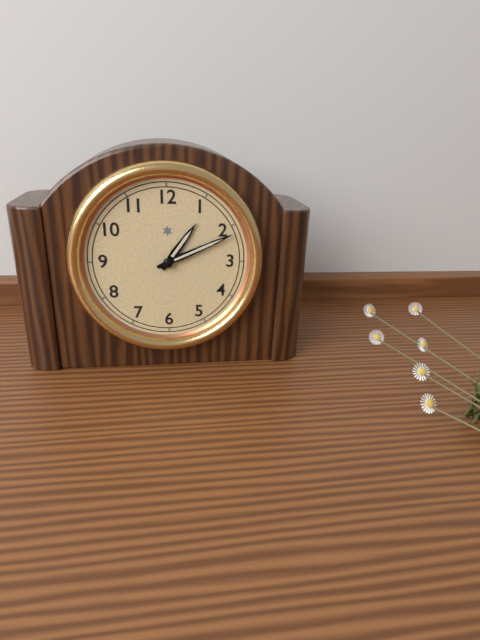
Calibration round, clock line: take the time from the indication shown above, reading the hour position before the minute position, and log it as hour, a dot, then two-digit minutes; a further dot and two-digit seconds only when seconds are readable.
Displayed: 1.11
